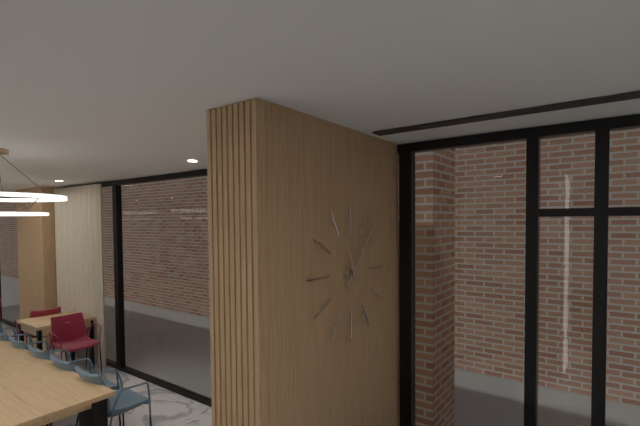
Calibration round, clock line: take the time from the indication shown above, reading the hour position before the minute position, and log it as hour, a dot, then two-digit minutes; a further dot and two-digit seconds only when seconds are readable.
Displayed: 11.07
